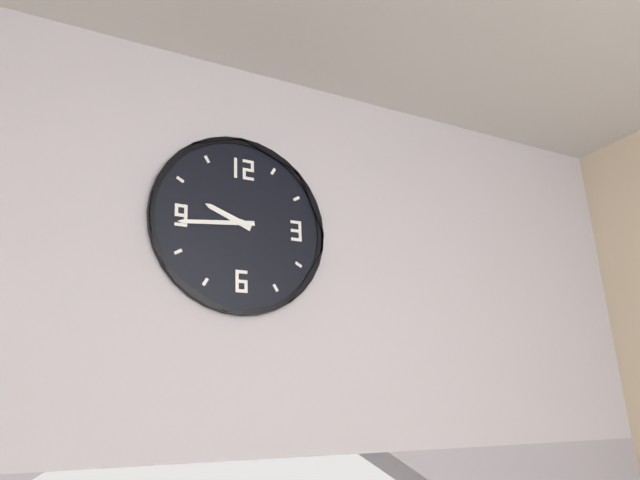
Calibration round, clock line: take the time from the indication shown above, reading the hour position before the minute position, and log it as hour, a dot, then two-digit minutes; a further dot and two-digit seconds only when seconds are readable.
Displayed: 9.44
